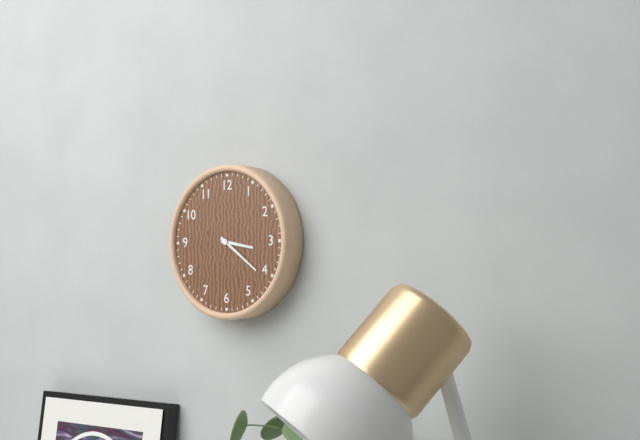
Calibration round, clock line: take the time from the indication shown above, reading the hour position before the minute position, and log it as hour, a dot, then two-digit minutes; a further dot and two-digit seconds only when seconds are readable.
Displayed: 3.21
